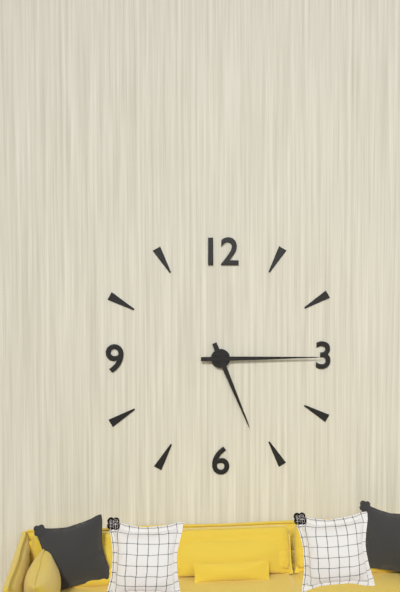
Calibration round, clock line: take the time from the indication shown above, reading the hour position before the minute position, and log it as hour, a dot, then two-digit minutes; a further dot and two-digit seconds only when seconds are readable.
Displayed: 5.15
